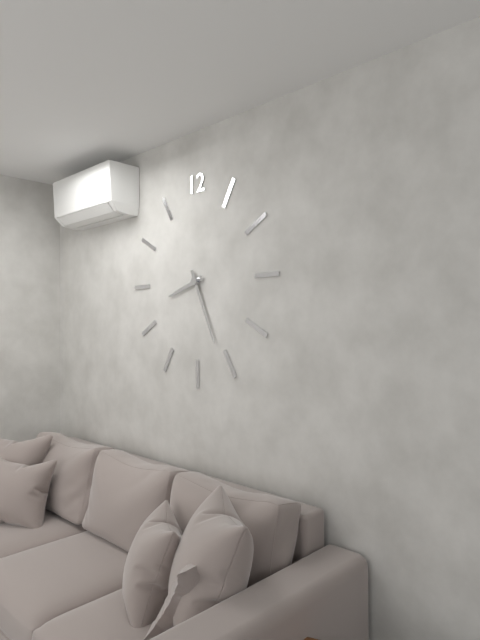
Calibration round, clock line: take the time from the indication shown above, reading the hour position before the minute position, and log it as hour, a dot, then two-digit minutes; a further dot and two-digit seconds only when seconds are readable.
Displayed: 8.26
